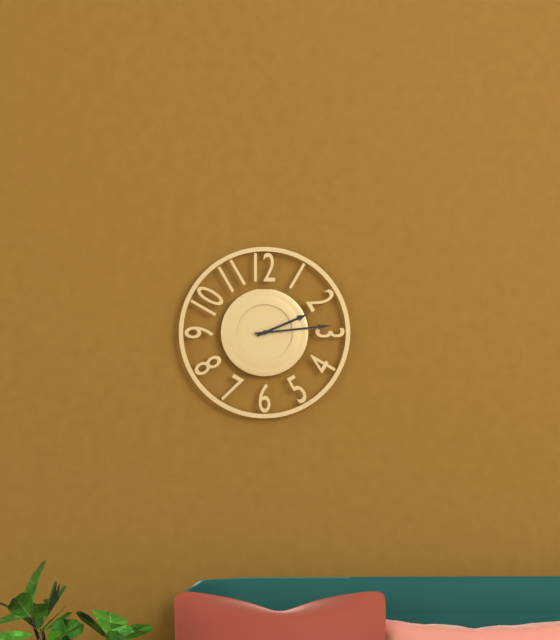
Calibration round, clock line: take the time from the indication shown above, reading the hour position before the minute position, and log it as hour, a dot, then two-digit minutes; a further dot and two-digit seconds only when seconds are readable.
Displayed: 2.14
